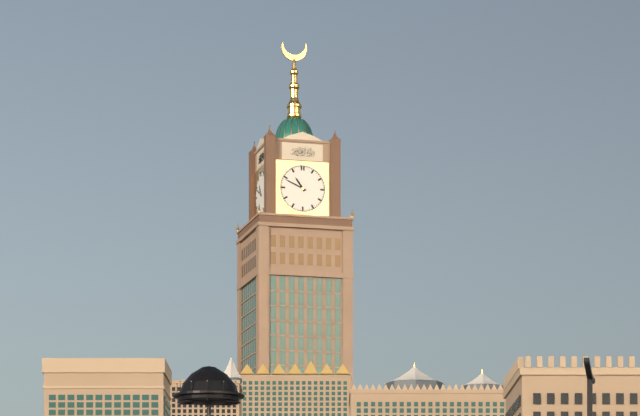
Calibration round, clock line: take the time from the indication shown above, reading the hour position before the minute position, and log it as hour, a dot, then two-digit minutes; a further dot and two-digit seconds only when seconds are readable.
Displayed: 10.49
